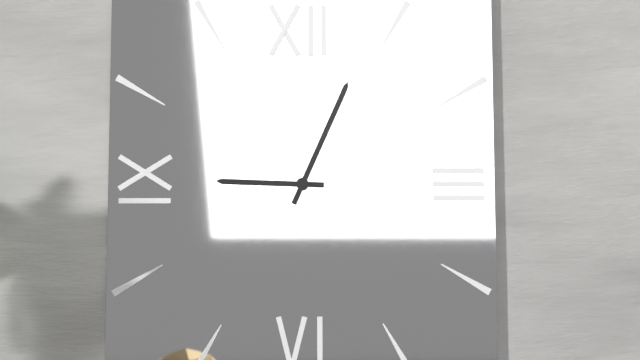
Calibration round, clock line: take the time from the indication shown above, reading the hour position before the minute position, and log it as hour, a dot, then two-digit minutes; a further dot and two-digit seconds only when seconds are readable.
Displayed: 9.04
